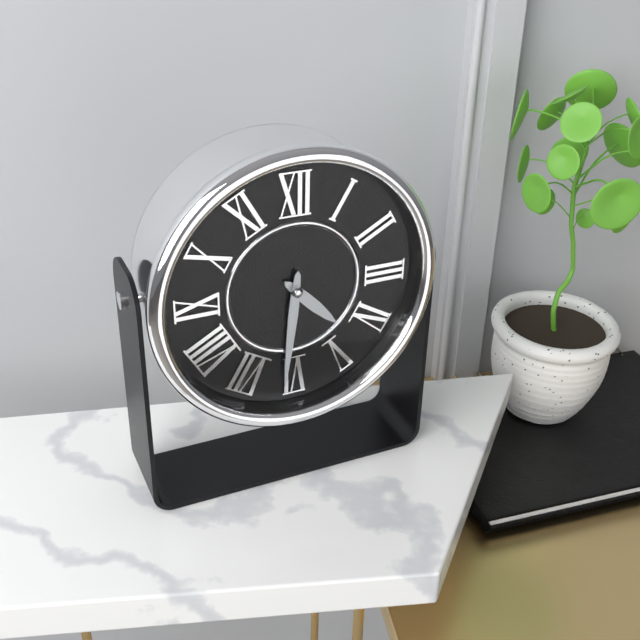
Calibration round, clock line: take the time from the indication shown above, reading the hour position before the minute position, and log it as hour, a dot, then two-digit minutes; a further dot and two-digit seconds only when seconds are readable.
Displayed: 4.31
